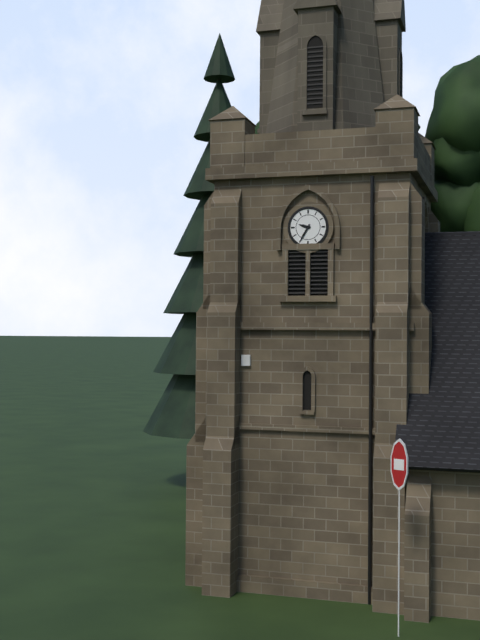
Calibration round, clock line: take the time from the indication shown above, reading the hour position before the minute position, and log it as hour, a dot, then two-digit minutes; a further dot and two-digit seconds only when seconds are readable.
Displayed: 9.35
